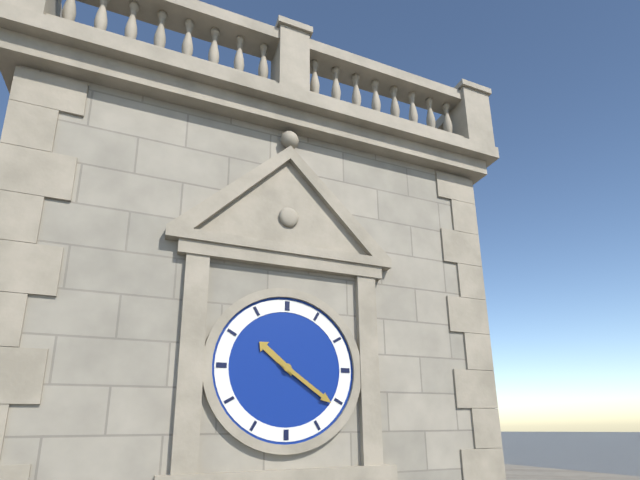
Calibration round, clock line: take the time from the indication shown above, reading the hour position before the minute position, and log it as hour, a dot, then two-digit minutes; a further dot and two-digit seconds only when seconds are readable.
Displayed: 10.21
